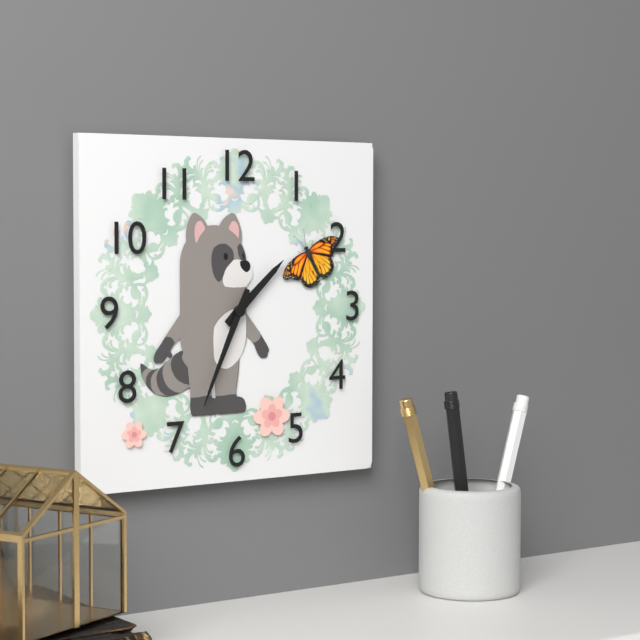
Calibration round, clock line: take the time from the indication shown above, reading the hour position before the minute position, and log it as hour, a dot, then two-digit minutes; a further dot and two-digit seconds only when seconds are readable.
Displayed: 1.34
